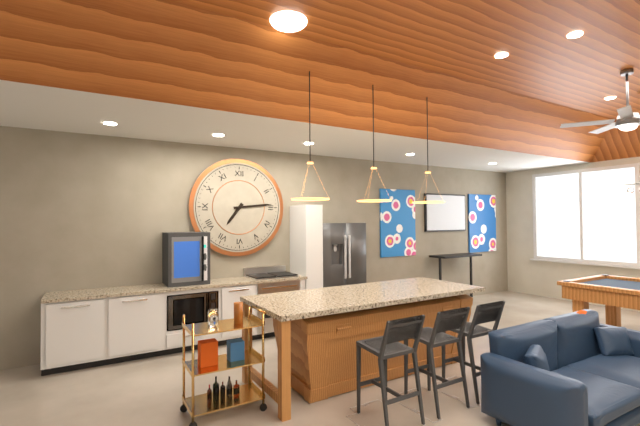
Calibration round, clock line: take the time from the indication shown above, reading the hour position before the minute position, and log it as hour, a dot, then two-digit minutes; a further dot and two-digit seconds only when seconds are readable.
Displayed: 7.14
